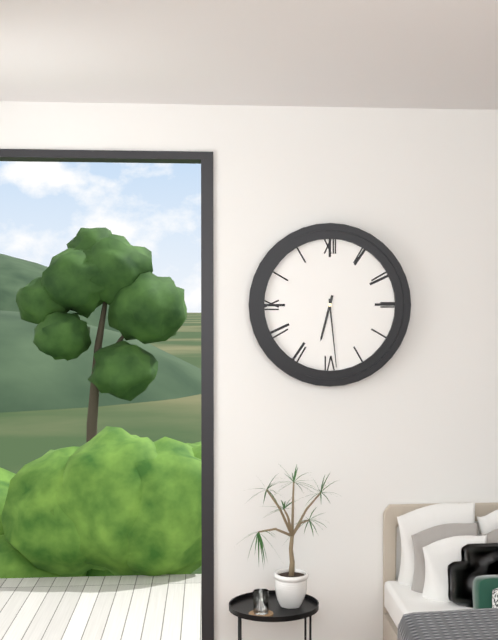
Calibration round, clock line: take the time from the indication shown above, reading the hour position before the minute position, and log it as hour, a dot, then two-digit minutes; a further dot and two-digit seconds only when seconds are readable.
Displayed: 6.29
